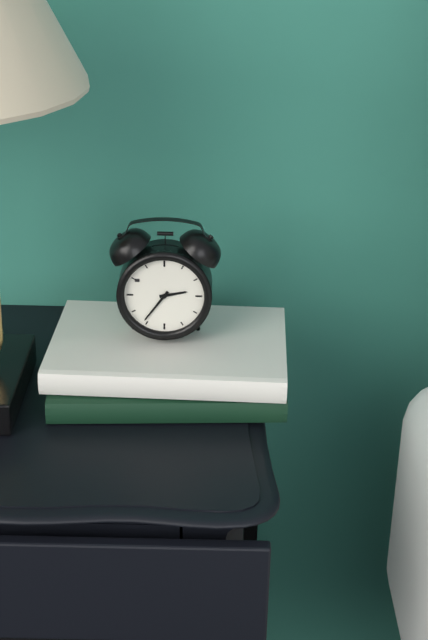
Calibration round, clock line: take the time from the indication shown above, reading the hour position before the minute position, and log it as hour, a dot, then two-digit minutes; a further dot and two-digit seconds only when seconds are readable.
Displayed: 2.36
